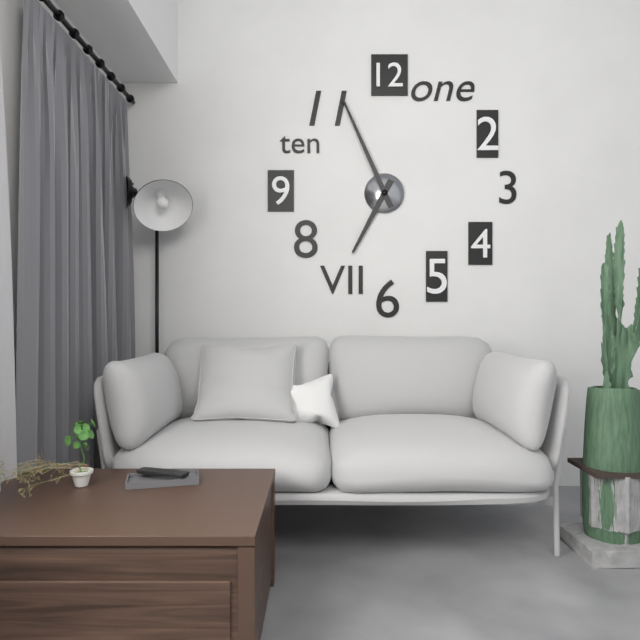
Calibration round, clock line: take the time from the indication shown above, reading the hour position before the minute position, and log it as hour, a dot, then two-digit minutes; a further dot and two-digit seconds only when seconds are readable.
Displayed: 6.56
